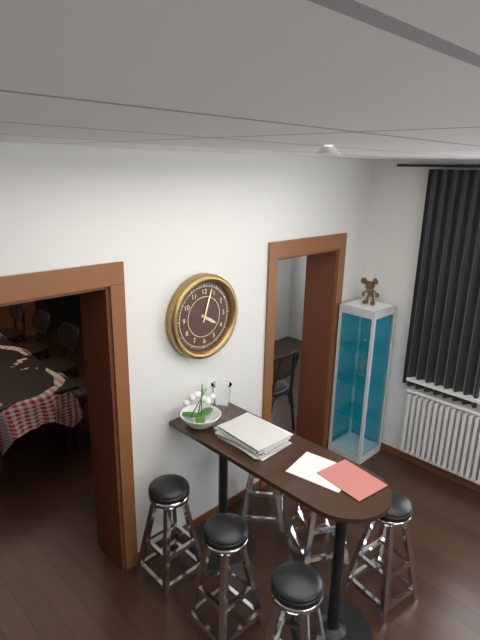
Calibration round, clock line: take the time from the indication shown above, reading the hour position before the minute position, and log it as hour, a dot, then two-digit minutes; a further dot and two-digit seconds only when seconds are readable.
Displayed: 4.03
